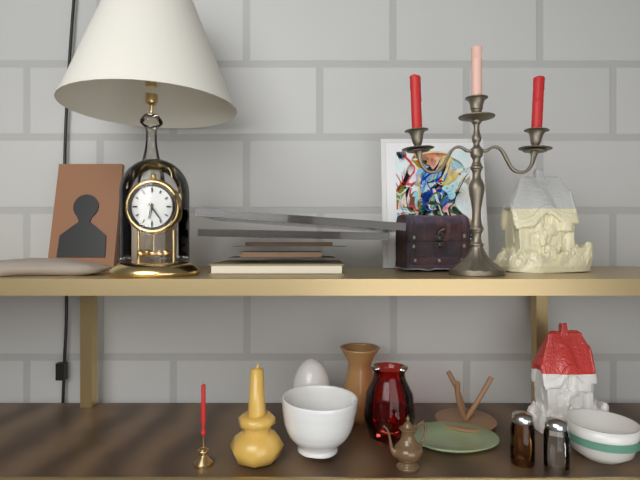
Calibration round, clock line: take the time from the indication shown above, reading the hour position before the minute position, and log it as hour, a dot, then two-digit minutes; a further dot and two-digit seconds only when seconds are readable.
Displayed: 6.24
